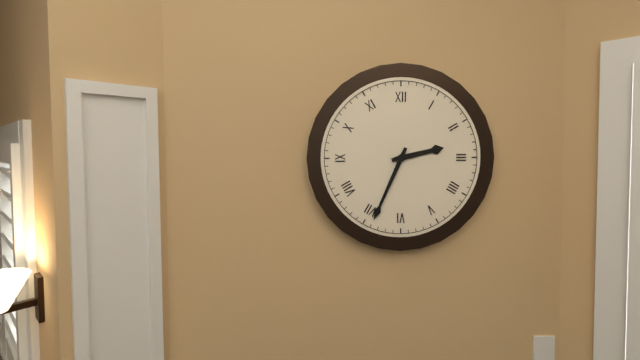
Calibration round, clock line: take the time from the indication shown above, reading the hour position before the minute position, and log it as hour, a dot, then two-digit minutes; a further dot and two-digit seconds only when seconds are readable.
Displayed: 2.34
